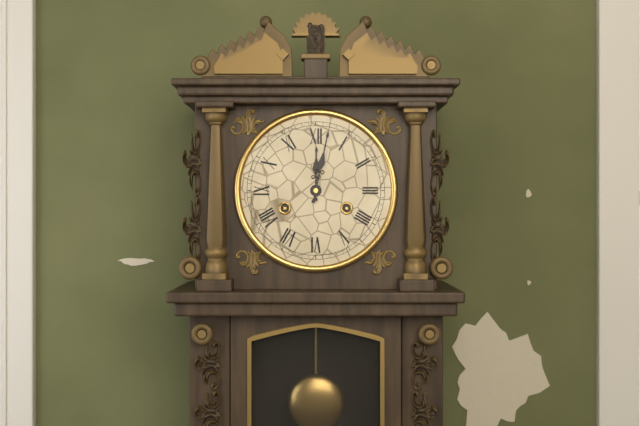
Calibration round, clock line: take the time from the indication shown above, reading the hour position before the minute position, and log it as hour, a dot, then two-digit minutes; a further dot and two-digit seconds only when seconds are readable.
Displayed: 12.02
